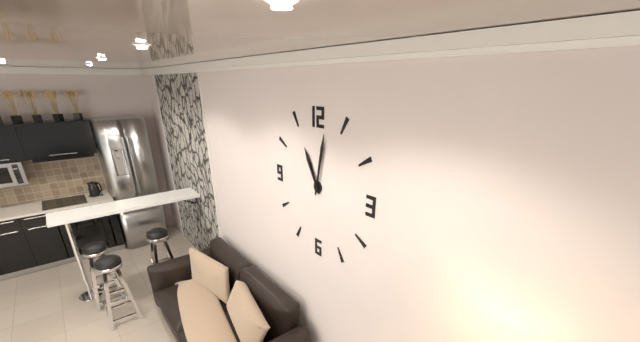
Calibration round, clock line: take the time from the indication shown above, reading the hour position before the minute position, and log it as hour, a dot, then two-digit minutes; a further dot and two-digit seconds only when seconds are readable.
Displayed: 11.02
